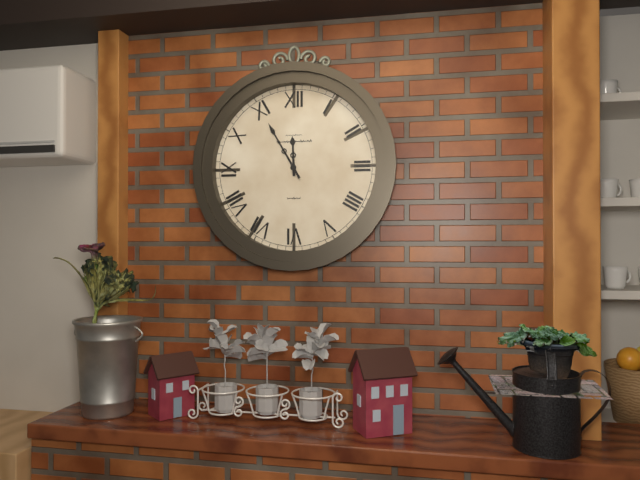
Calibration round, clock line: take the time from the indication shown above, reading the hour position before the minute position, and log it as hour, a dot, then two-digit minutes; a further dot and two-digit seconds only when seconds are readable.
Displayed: 11.55
